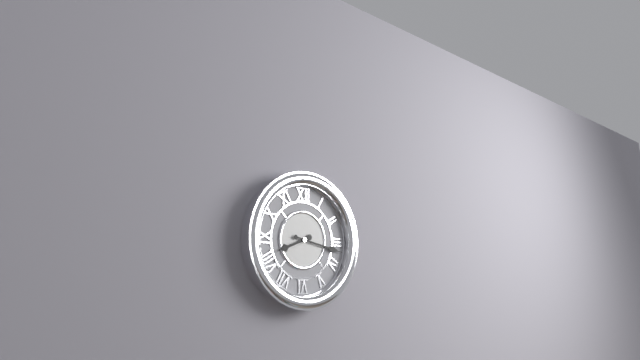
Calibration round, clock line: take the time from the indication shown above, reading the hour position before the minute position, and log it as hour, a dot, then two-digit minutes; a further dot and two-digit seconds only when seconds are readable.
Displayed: 8.17
